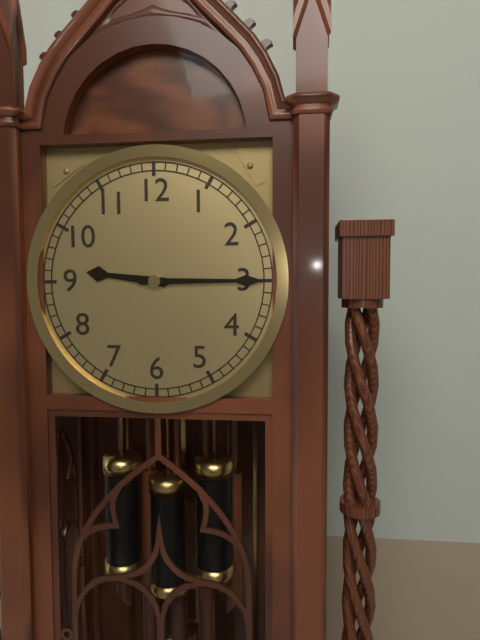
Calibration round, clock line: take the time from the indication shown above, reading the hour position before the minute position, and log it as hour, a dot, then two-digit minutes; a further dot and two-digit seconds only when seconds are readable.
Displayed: 9.15
